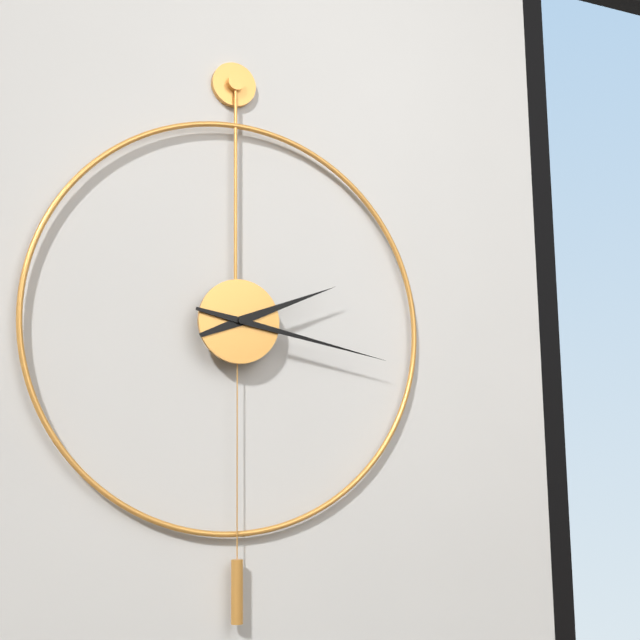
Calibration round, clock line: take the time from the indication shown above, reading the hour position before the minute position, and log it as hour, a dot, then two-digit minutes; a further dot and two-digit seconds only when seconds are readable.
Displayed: 2.17
